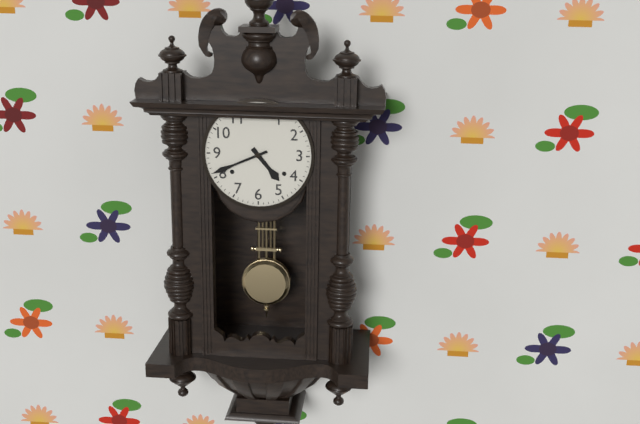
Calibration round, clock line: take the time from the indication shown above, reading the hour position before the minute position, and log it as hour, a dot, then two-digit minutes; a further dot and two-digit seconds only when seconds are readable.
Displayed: 4.41
